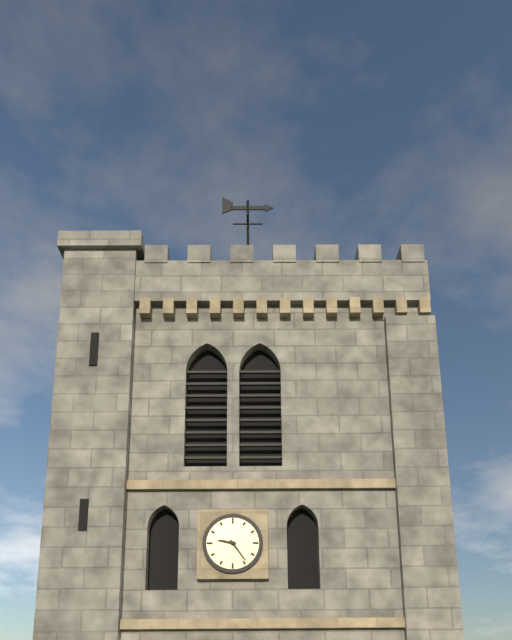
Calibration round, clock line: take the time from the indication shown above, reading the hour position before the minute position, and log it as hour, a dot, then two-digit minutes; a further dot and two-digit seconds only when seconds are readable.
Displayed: 9.24
